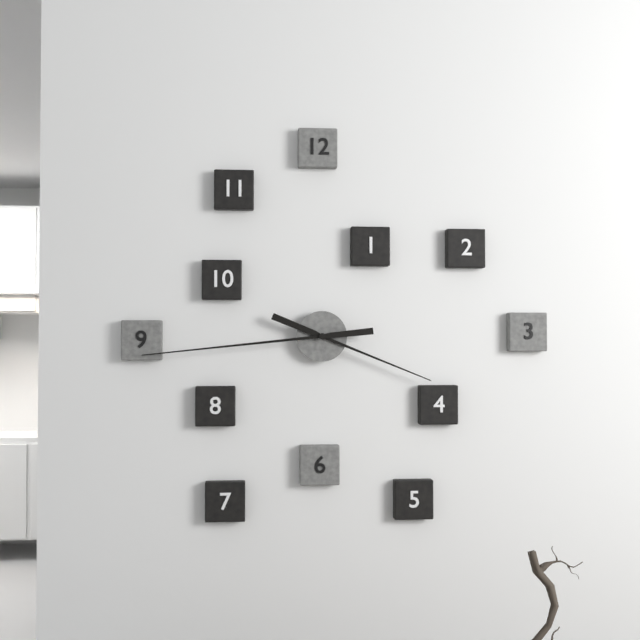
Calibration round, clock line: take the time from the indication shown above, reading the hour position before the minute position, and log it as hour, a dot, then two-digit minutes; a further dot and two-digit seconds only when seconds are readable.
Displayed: 3.44
